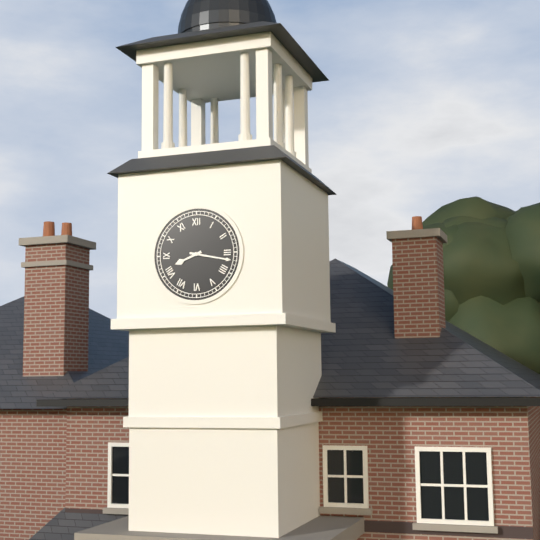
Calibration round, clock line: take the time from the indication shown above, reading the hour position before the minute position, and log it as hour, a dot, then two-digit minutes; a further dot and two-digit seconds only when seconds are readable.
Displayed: 8.17
